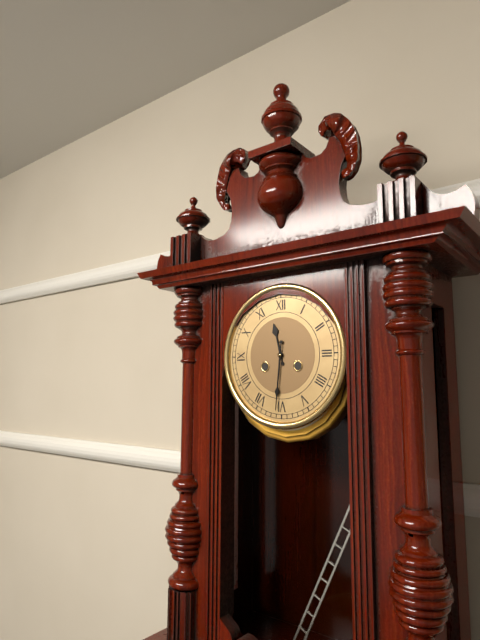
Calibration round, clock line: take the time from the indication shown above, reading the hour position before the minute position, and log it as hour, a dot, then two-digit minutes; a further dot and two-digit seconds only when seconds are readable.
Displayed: 11.31
